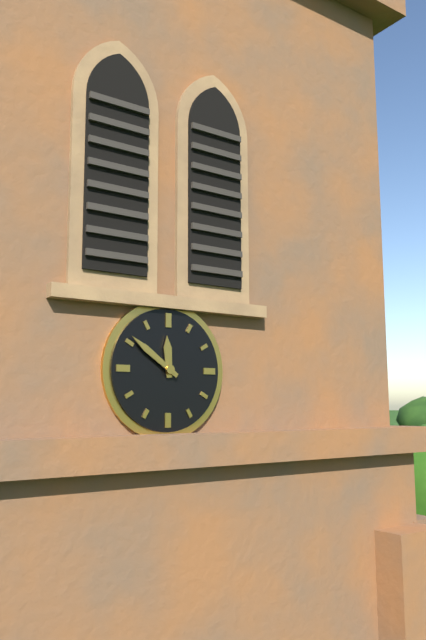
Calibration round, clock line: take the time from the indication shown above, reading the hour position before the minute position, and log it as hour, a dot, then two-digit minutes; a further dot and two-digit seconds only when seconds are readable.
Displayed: 11.51
